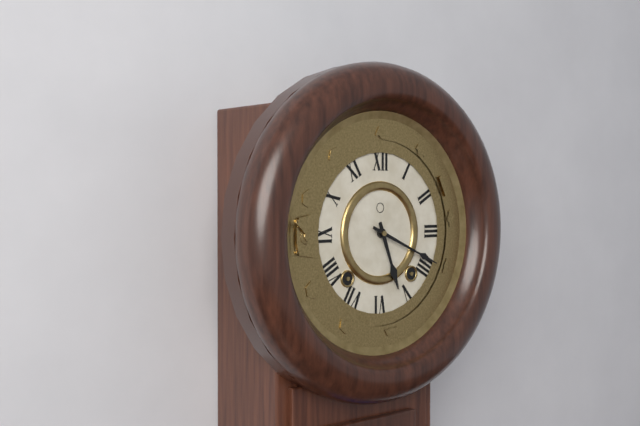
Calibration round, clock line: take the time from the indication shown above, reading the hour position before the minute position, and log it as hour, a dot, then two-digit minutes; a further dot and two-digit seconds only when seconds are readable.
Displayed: 5.19
